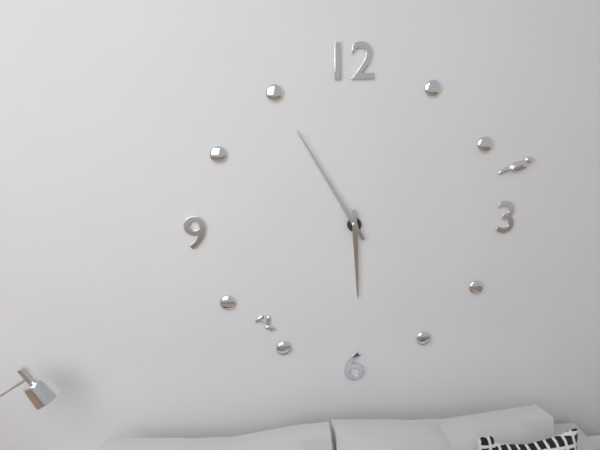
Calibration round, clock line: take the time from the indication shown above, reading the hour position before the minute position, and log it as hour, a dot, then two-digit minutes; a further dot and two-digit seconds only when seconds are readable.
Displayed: 5.55
